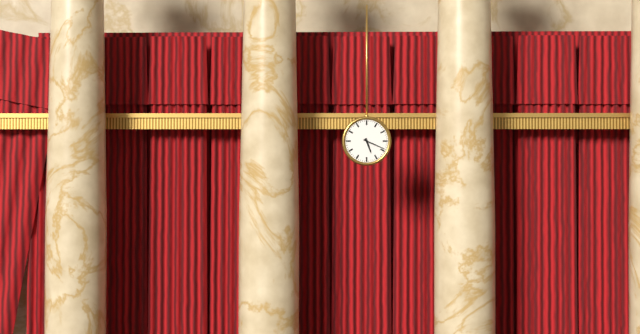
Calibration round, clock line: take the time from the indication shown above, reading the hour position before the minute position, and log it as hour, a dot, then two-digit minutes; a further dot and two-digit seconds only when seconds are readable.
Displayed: 5.19
